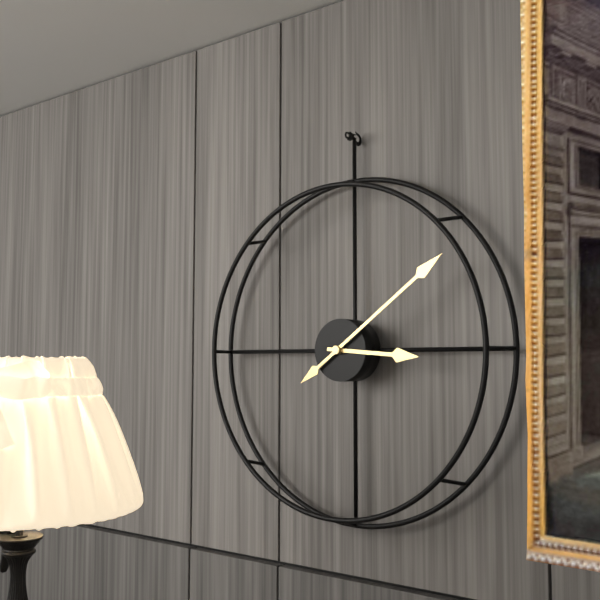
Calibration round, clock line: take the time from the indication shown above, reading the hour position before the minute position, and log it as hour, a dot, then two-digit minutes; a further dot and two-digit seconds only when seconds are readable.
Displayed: 3.09
